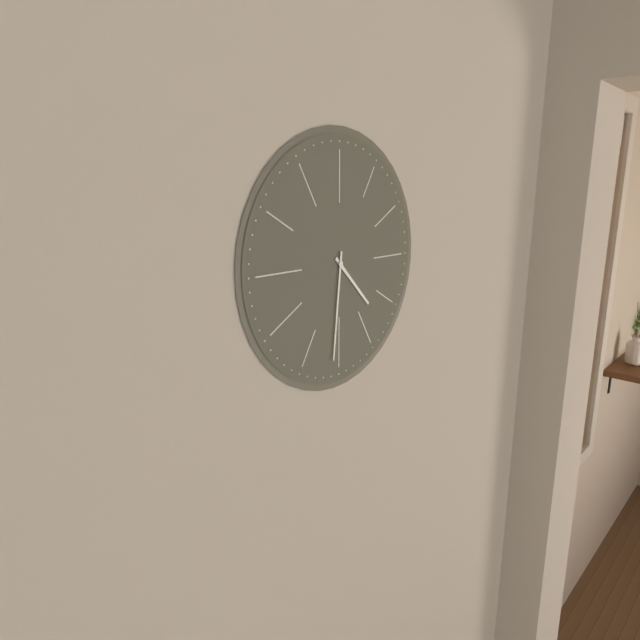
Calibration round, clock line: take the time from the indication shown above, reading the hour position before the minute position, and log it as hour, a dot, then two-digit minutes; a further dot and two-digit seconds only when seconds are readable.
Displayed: 4.31
